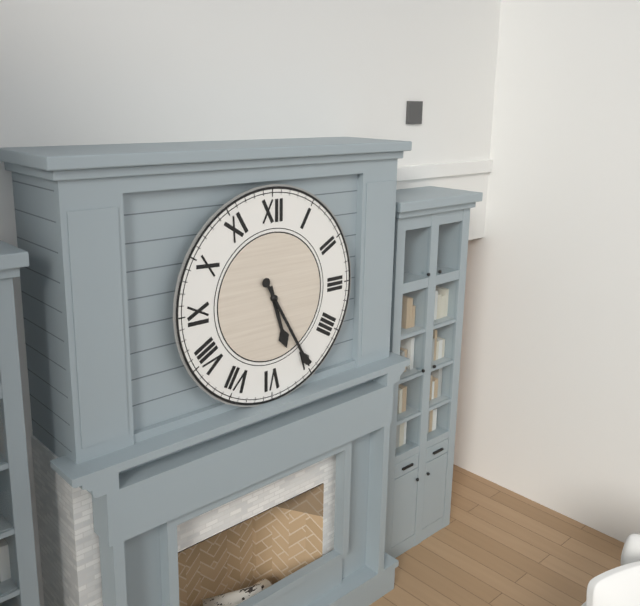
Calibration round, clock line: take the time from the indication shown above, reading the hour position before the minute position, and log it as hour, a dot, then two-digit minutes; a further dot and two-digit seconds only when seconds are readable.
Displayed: 5.25
